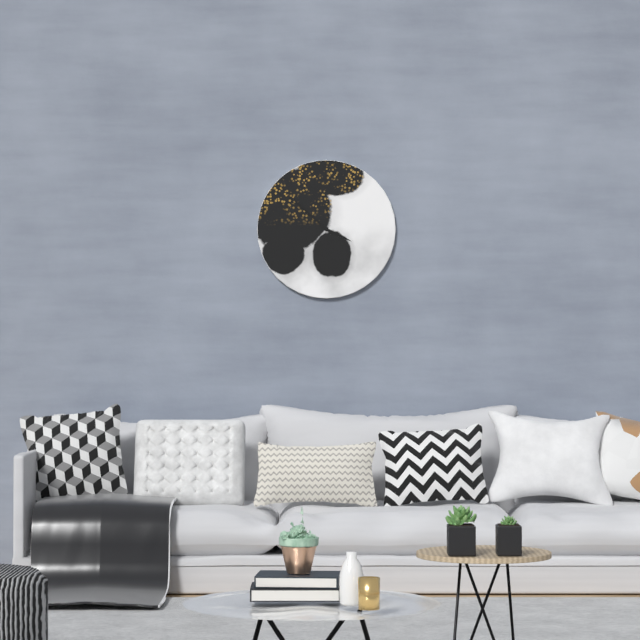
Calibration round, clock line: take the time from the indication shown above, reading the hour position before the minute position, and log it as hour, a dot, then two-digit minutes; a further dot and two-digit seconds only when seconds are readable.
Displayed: 3.52
